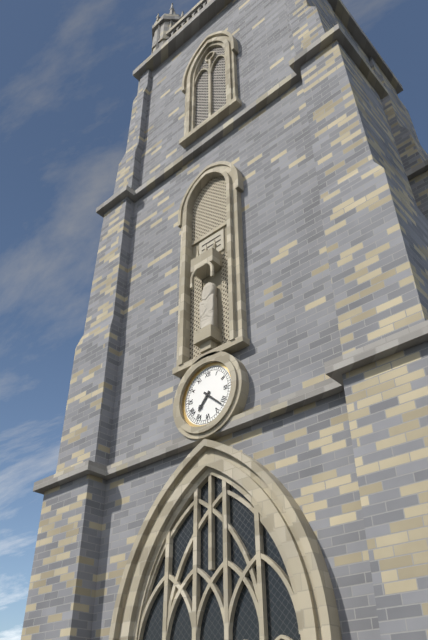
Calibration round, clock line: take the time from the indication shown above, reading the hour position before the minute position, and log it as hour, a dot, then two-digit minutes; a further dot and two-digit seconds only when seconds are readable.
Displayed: 7.22
